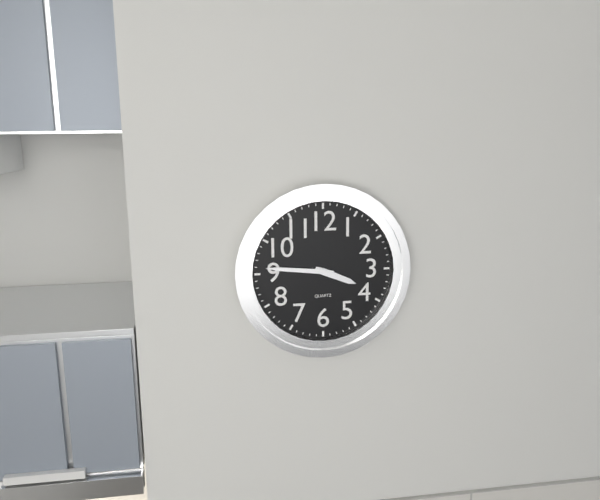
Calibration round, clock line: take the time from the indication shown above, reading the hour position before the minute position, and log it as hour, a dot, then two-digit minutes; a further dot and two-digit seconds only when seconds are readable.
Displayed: 3.46
